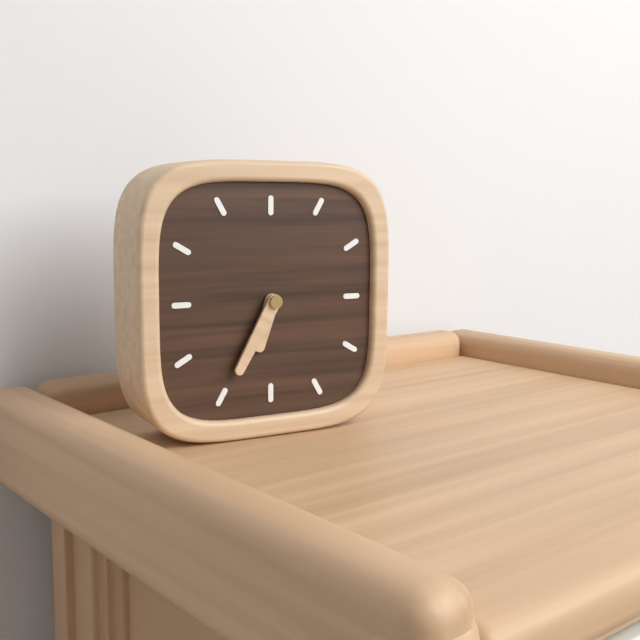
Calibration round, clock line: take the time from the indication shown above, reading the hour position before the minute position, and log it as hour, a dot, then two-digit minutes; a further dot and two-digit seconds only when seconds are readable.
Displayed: 6.35
